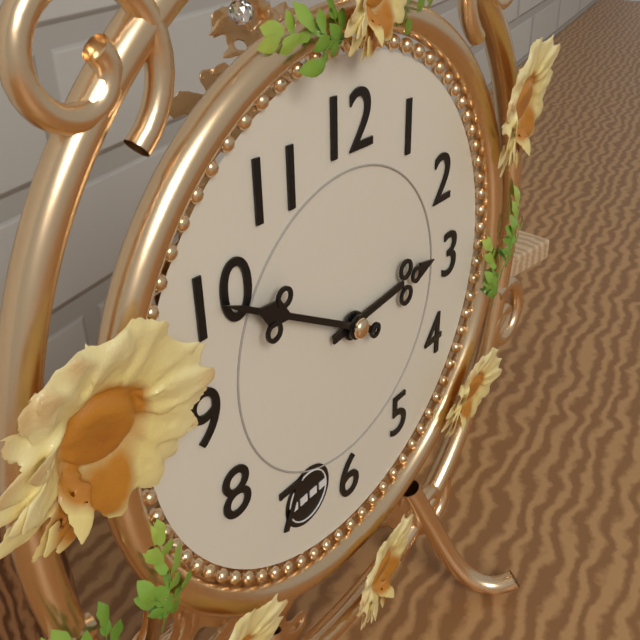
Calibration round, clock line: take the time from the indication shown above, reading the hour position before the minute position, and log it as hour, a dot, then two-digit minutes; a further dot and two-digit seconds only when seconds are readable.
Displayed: 2.50
